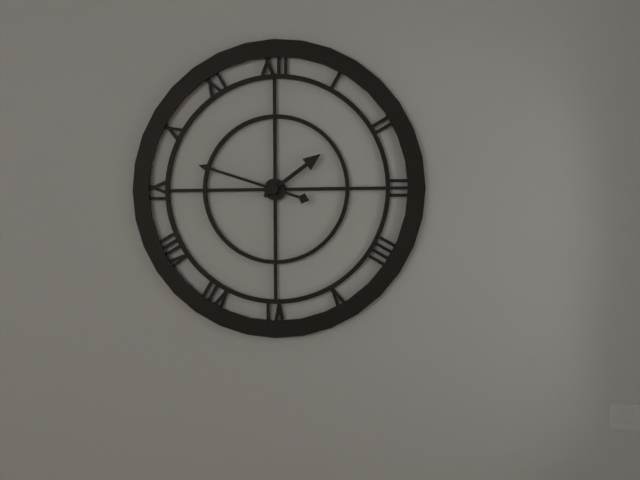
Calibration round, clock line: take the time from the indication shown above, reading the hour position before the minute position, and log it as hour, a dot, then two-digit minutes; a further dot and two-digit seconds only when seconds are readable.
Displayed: 1.48
